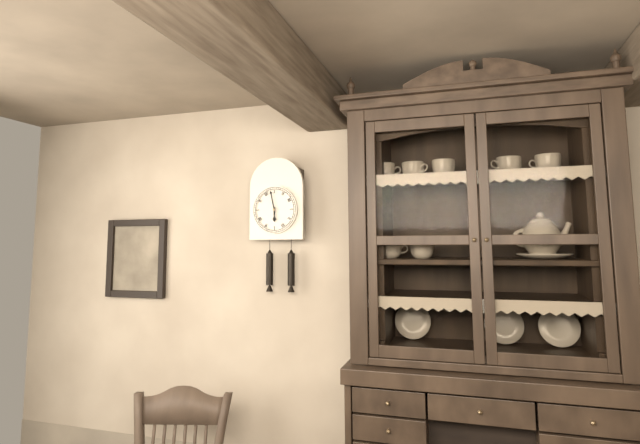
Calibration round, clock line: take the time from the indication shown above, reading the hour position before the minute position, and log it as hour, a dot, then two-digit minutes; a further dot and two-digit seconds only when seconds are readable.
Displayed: 5.58
